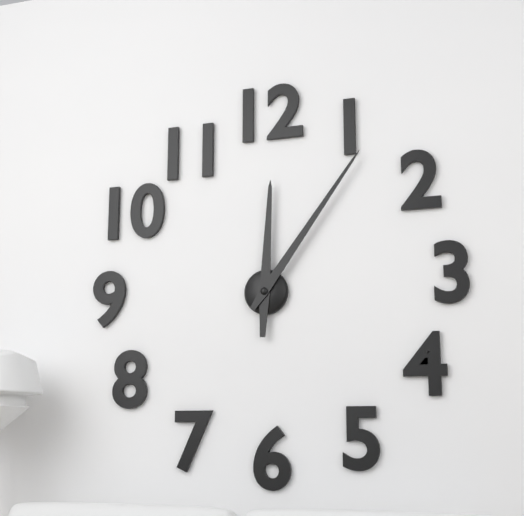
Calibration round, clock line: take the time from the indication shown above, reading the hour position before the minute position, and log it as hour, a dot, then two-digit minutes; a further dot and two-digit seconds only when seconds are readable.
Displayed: 12.06
